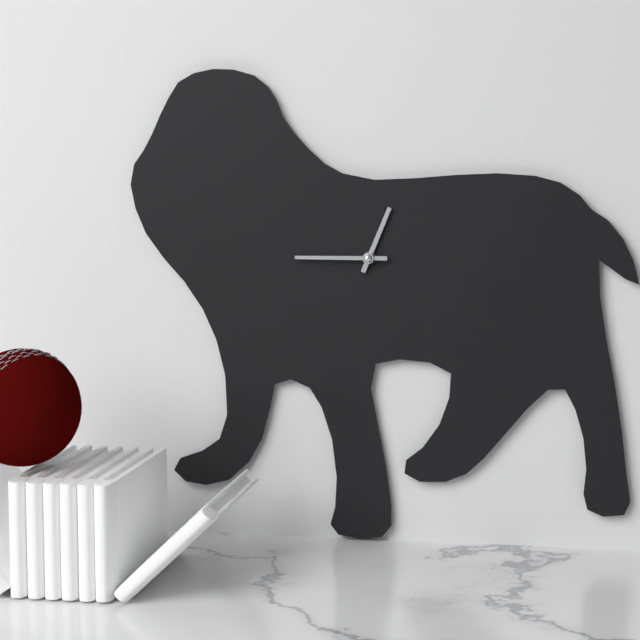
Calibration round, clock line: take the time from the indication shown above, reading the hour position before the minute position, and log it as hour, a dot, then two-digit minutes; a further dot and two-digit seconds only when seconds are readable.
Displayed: 12.45
